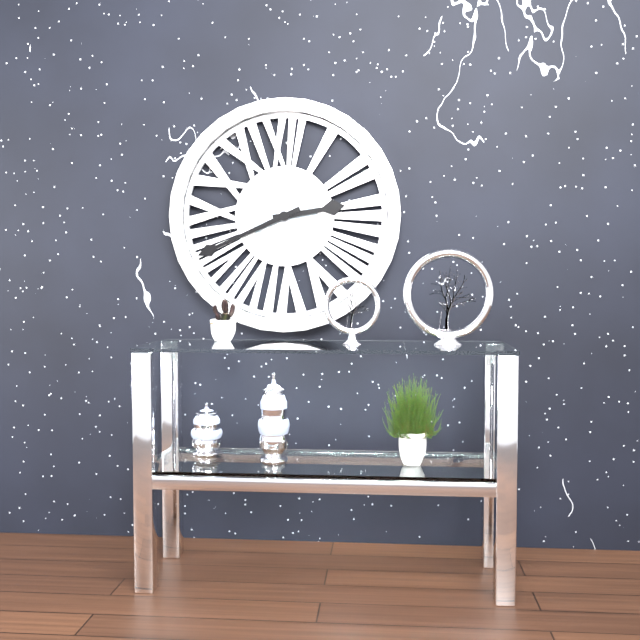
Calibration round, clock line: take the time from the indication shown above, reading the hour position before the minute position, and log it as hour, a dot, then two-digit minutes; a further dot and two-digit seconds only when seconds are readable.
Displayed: 2.41
